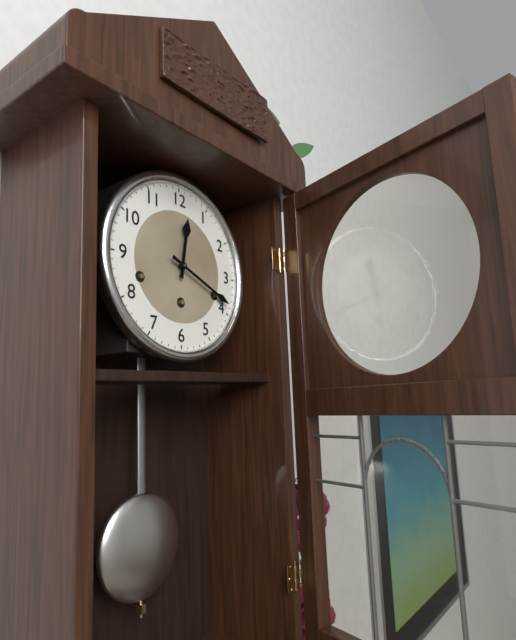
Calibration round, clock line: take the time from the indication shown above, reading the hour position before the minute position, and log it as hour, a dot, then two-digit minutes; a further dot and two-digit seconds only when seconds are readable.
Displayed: 12.19
